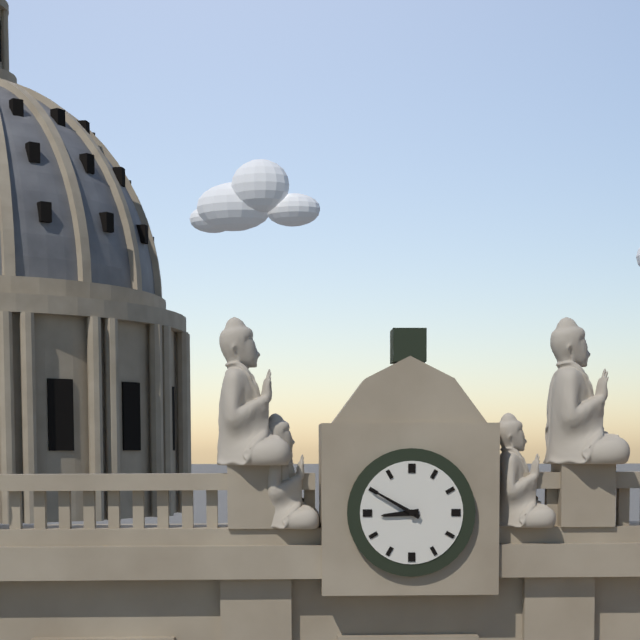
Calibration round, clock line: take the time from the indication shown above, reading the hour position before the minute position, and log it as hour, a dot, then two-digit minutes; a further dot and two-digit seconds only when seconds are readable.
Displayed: 8.50
